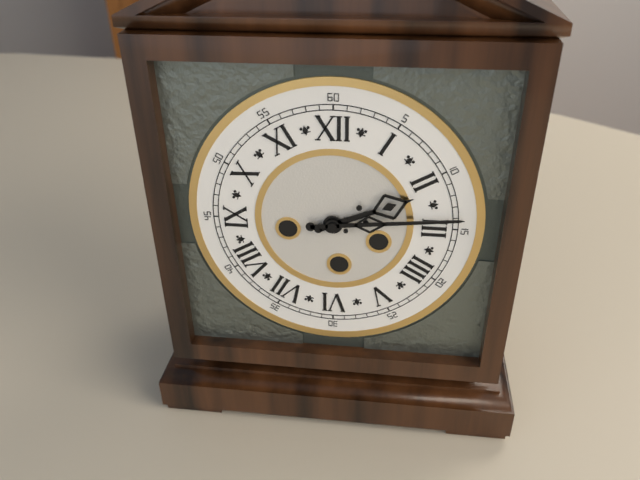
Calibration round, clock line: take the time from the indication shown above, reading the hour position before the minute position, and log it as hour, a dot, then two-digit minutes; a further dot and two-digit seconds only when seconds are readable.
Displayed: 2.14
